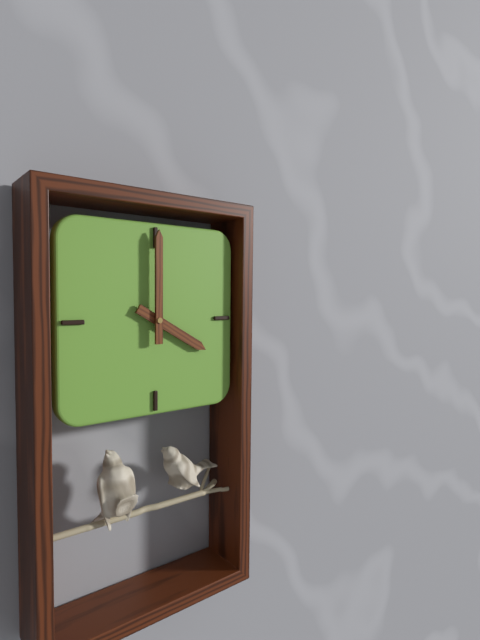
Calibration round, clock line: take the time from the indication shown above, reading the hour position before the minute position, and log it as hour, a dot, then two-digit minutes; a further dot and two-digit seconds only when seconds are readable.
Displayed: 4.00
